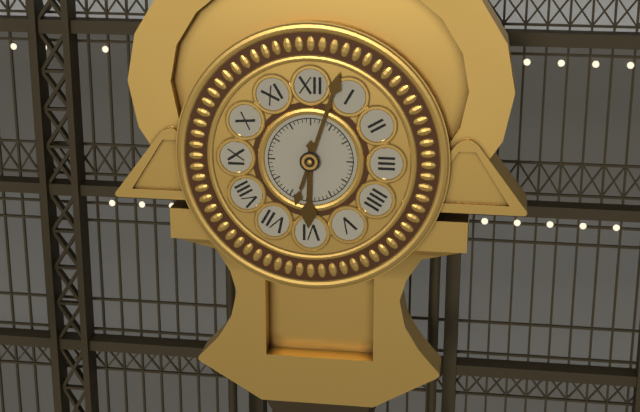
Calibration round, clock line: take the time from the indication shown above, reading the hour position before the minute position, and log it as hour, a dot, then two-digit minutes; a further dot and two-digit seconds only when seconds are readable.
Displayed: 6.03
